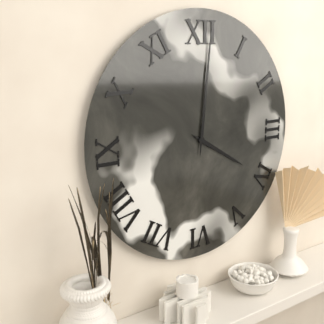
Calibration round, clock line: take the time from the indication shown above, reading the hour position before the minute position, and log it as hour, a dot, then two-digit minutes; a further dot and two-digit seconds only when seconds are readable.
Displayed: 4.01
